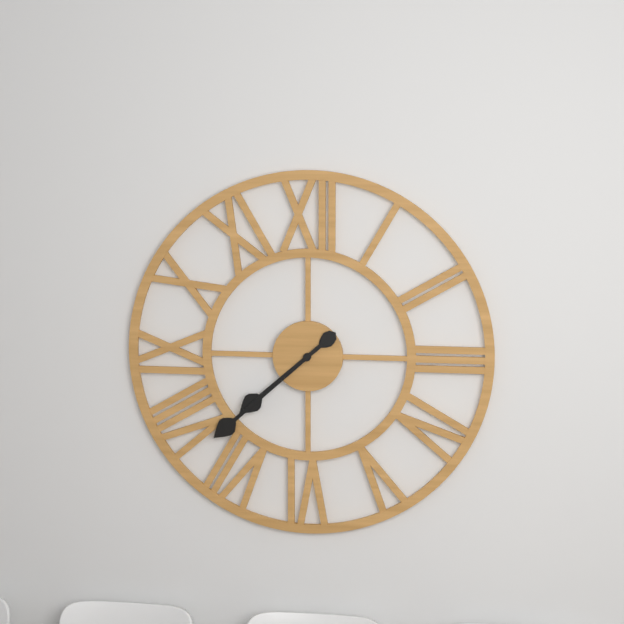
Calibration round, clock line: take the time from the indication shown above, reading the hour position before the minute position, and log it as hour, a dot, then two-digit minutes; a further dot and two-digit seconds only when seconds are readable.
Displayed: 7.38
